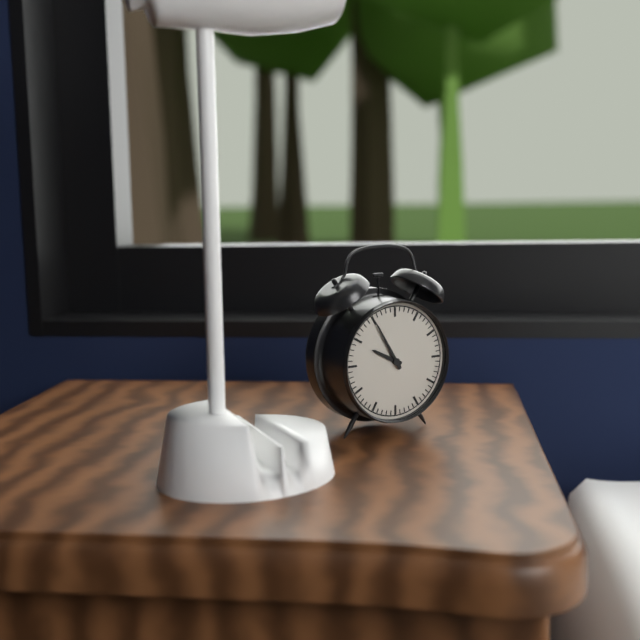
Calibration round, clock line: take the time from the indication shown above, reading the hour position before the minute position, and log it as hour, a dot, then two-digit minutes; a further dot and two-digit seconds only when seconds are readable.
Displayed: 9.55
